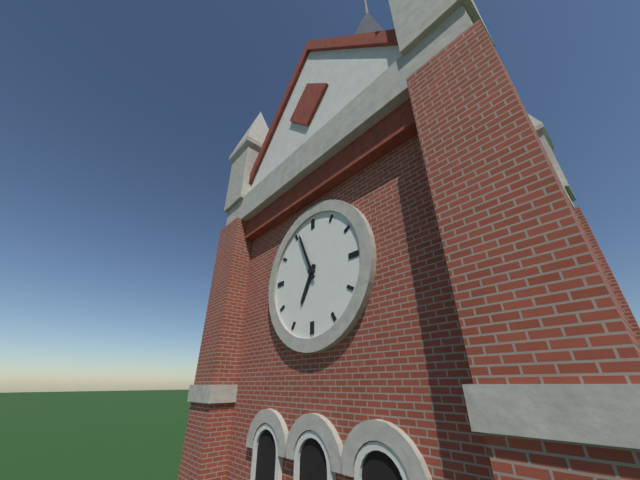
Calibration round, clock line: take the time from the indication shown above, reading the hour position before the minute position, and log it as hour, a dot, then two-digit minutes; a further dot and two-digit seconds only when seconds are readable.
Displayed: 6.56
